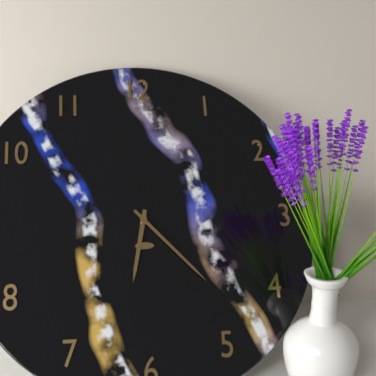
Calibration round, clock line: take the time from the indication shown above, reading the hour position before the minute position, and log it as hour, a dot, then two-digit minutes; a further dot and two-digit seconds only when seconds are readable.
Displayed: 6.23
